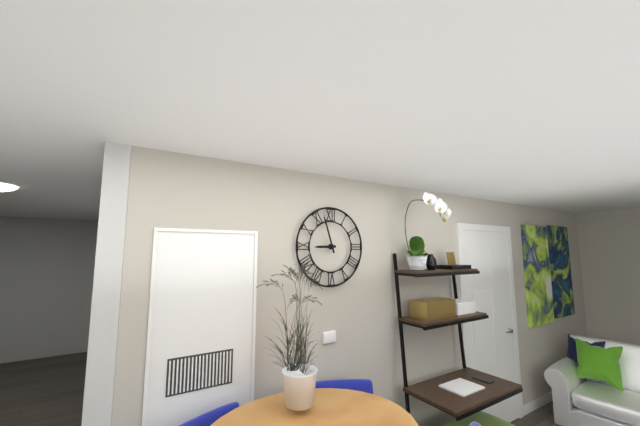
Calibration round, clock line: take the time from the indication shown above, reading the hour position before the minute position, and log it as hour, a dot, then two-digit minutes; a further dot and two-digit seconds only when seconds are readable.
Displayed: 8.57
